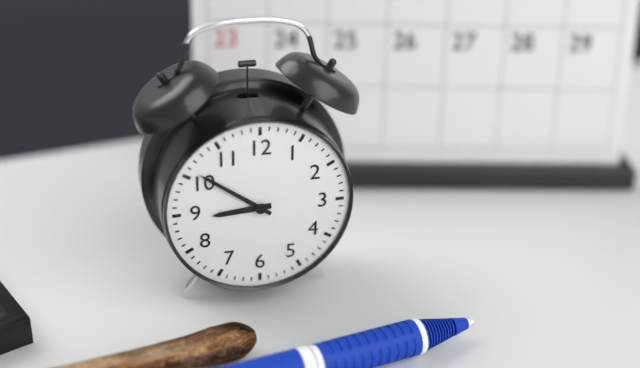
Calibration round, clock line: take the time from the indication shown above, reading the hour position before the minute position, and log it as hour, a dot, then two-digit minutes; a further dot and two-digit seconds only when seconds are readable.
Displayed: 8.51
